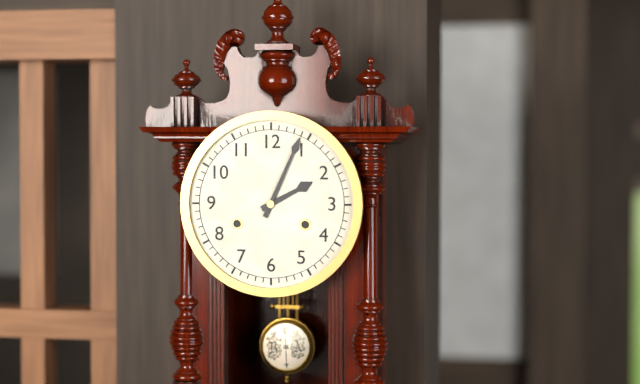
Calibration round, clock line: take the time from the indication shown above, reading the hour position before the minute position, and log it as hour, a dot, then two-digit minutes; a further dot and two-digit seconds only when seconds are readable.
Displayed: 2.04
